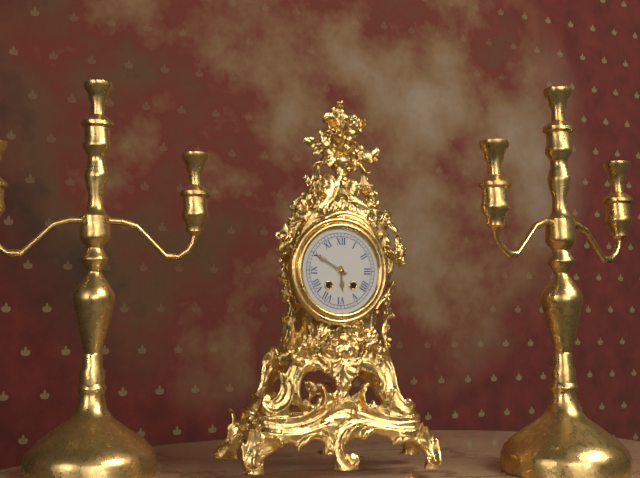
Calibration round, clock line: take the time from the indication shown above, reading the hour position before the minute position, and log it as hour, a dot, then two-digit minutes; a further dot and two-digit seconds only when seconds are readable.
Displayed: 5.50
